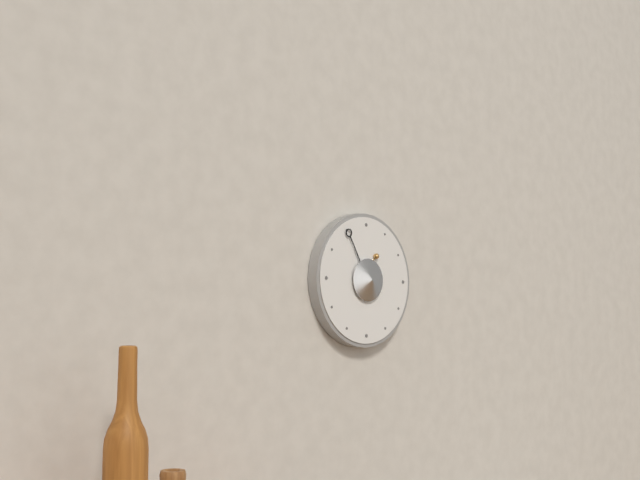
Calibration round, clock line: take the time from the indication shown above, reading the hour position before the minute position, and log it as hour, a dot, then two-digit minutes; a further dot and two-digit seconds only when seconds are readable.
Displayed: 12.55
